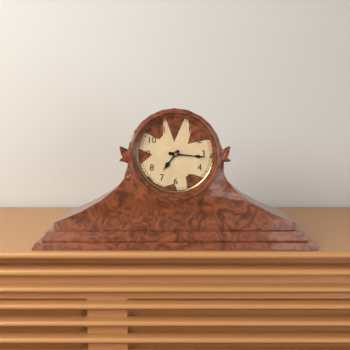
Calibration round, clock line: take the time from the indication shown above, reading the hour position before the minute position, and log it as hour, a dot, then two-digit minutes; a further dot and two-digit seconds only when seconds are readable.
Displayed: 7.16
